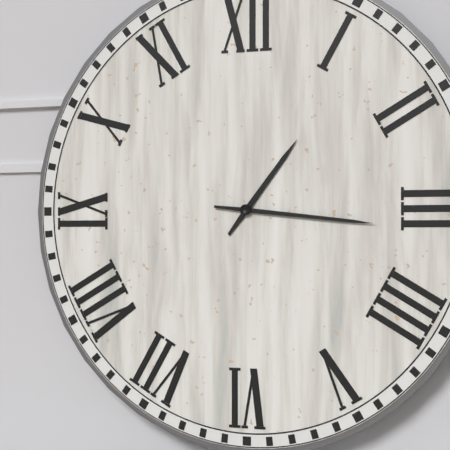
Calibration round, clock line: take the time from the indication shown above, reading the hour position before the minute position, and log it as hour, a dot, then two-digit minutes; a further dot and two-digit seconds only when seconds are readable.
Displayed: 1.16
